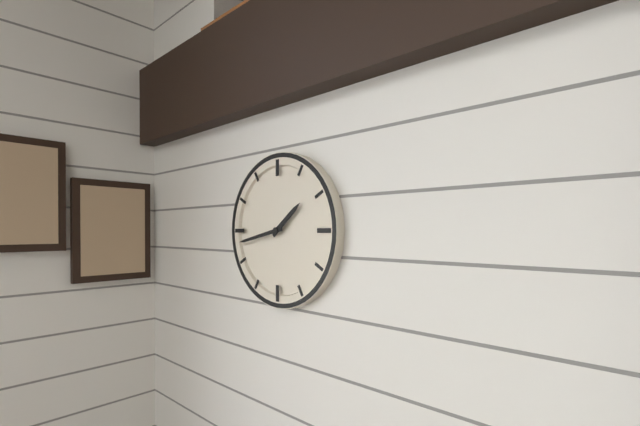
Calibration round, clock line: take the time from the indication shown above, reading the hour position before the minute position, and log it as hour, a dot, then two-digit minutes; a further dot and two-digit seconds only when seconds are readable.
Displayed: 1.43
